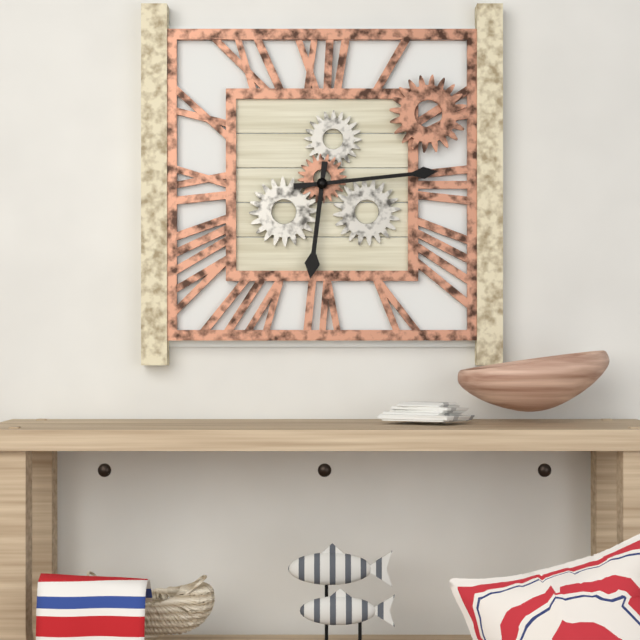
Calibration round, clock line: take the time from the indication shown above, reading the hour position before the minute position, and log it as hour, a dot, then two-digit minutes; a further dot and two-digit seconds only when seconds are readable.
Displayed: 6.14
